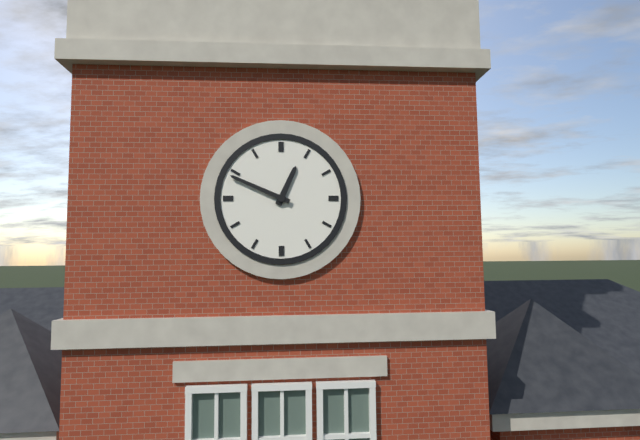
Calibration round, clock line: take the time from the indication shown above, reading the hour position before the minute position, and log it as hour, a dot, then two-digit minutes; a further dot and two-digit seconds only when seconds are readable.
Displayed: 12.49
